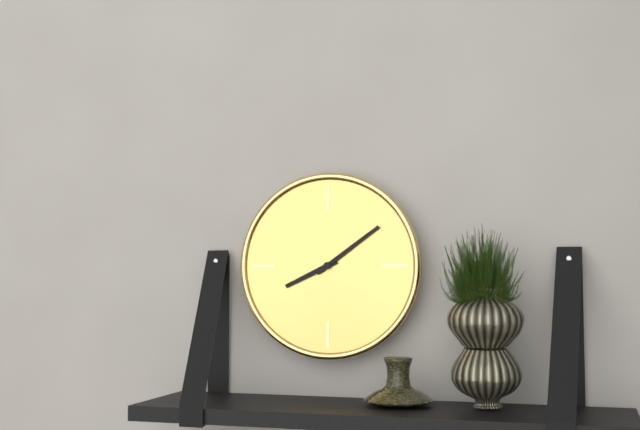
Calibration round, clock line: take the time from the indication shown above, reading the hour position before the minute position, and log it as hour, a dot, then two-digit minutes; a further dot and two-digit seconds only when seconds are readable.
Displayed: 8.09
